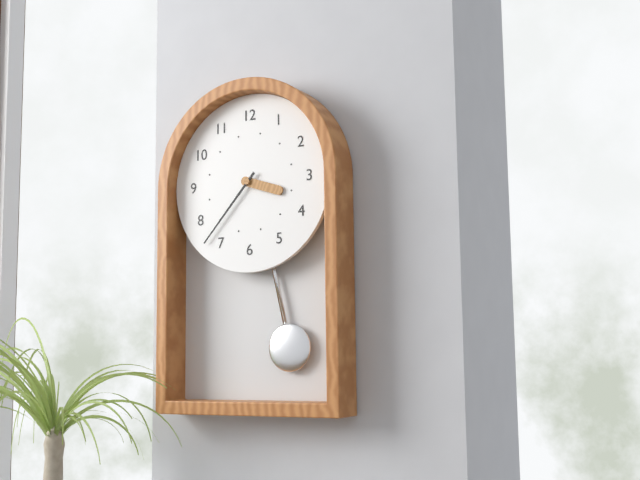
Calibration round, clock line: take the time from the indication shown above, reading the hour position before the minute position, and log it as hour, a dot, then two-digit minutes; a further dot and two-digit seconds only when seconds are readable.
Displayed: 3.37
